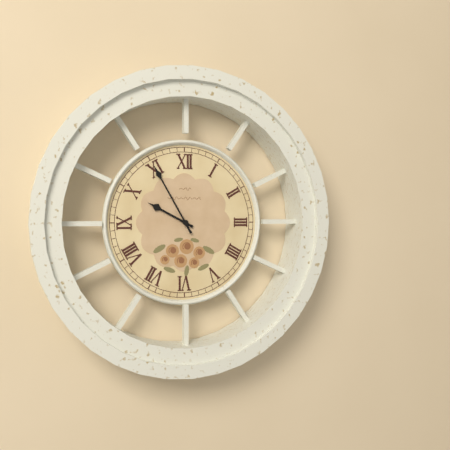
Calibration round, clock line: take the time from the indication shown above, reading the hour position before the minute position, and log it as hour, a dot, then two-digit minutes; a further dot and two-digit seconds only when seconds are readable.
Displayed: 9.55
